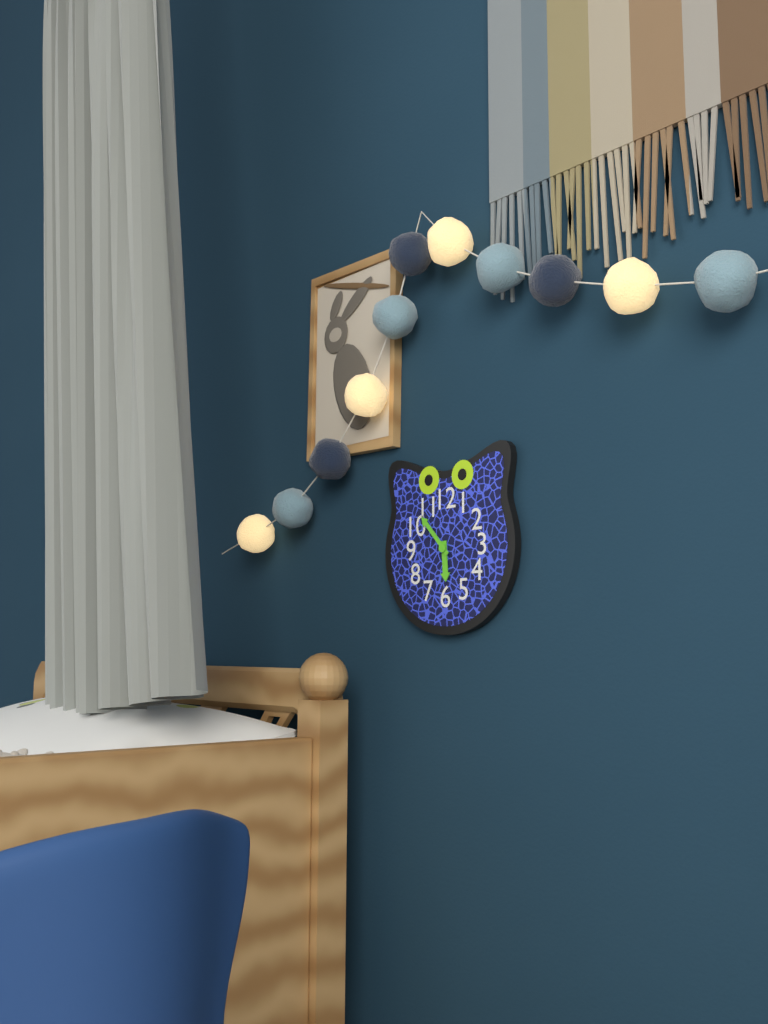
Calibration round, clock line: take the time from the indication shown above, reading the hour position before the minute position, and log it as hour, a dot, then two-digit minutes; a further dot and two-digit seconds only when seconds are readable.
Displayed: 5.53
